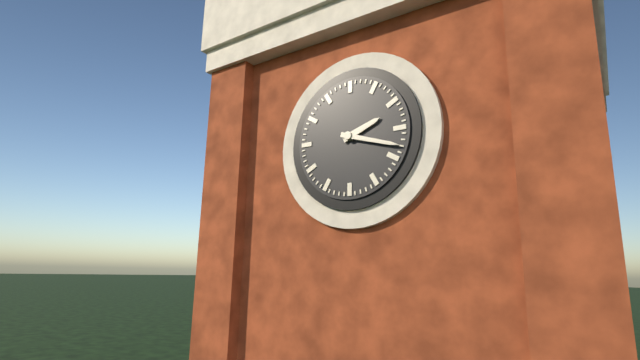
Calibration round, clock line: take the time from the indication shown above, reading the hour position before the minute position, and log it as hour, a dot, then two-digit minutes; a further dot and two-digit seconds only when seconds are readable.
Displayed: 2.18
